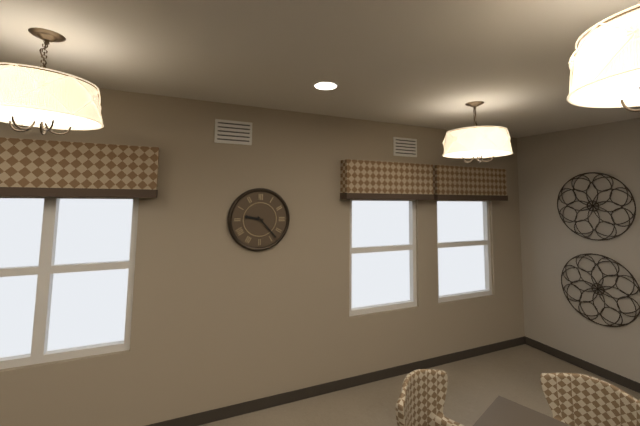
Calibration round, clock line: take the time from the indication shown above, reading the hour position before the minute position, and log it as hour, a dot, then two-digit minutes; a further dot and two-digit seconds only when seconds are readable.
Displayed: 9.23
